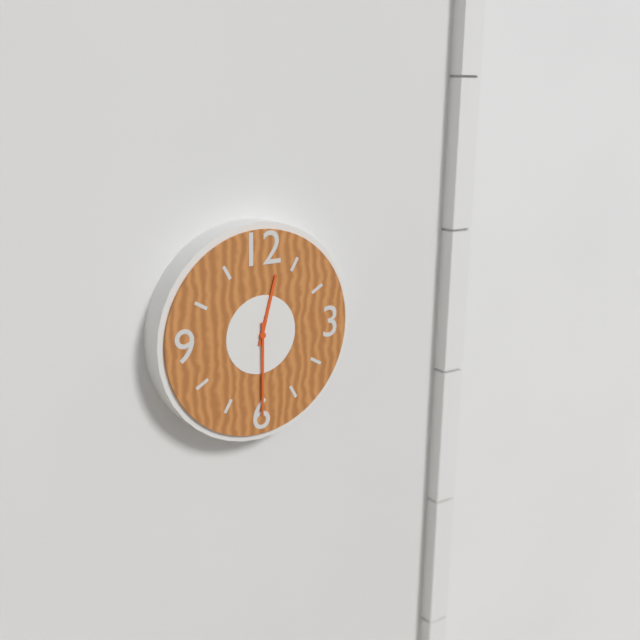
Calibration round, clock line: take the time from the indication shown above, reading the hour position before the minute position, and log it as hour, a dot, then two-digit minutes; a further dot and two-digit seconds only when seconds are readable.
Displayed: 12.30
